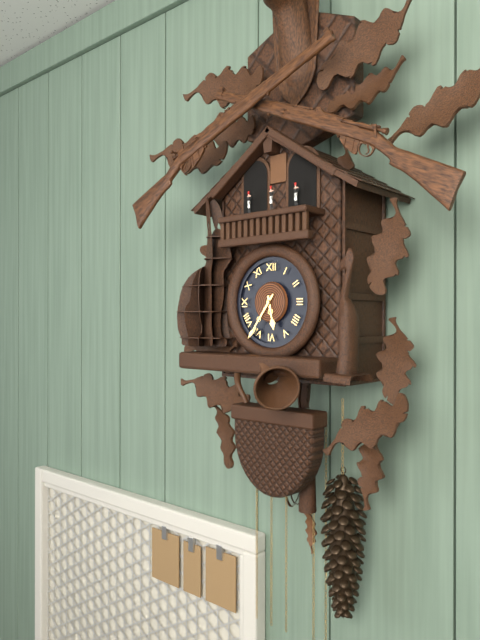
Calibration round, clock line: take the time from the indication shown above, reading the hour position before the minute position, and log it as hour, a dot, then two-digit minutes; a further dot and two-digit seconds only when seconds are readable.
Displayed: 5.36
